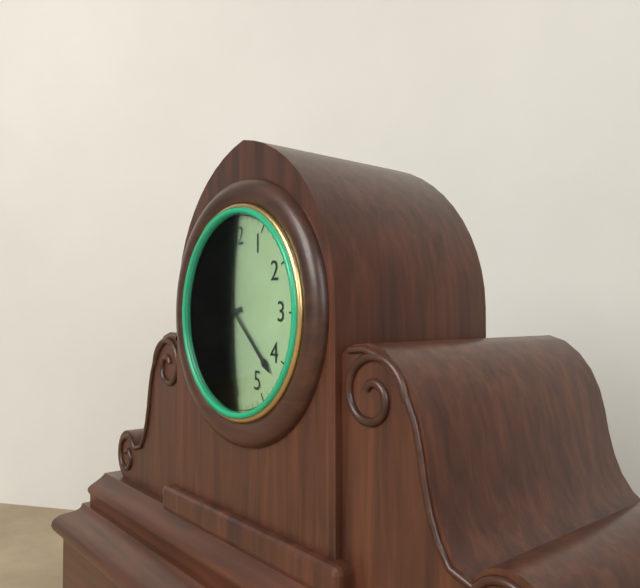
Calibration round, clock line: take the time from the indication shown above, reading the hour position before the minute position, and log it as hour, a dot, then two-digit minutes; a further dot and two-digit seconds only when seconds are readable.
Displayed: 8.22
